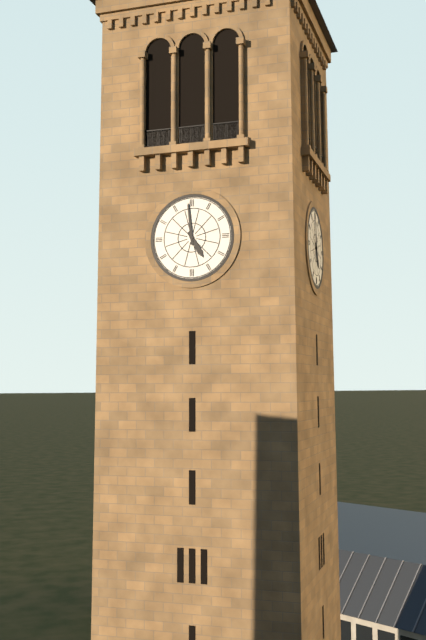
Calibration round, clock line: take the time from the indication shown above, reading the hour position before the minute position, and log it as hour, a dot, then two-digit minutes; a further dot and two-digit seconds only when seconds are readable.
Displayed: 4.59
